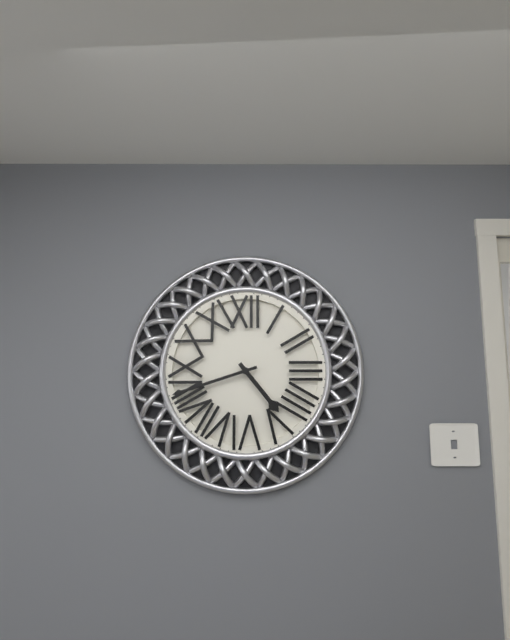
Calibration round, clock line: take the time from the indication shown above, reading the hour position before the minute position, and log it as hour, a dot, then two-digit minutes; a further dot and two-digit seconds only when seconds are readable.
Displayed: 4.42
